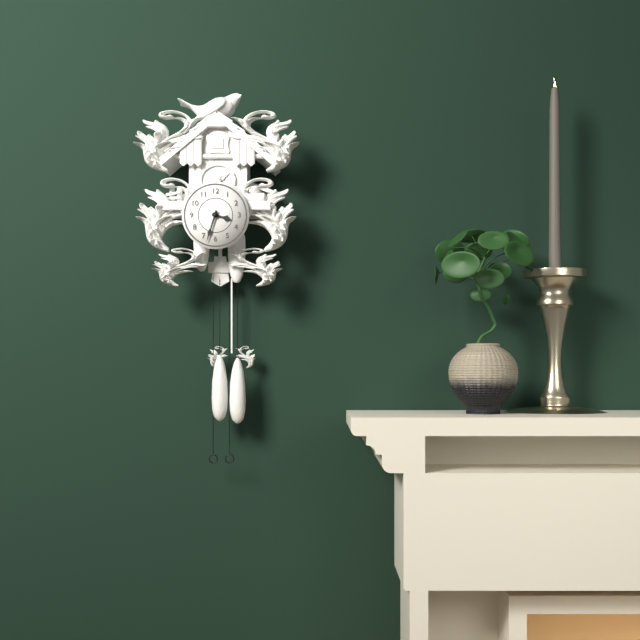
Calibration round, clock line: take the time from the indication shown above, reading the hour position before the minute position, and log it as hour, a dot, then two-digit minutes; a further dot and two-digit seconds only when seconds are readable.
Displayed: 3.33
